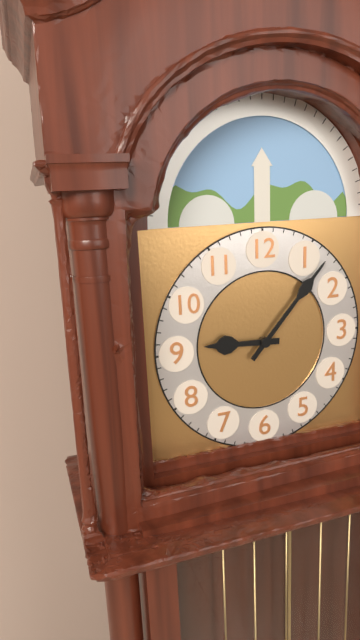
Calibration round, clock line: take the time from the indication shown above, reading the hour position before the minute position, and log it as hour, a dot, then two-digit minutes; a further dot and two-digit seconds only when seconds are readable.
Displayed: 9.07
